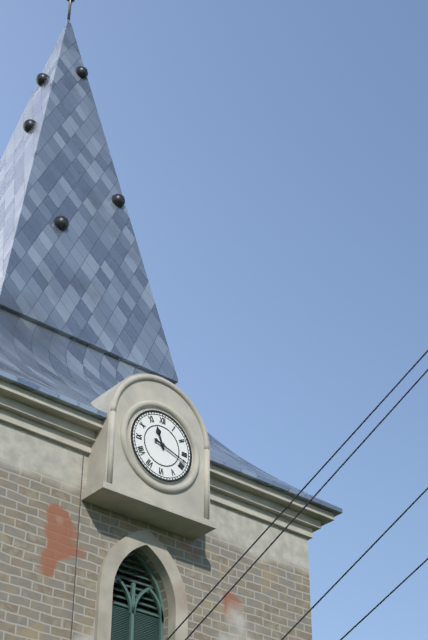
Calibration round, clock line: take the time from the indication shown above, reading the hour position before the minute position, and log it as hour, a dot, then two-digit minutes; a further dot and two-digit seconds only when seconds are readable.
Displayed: 11.18
